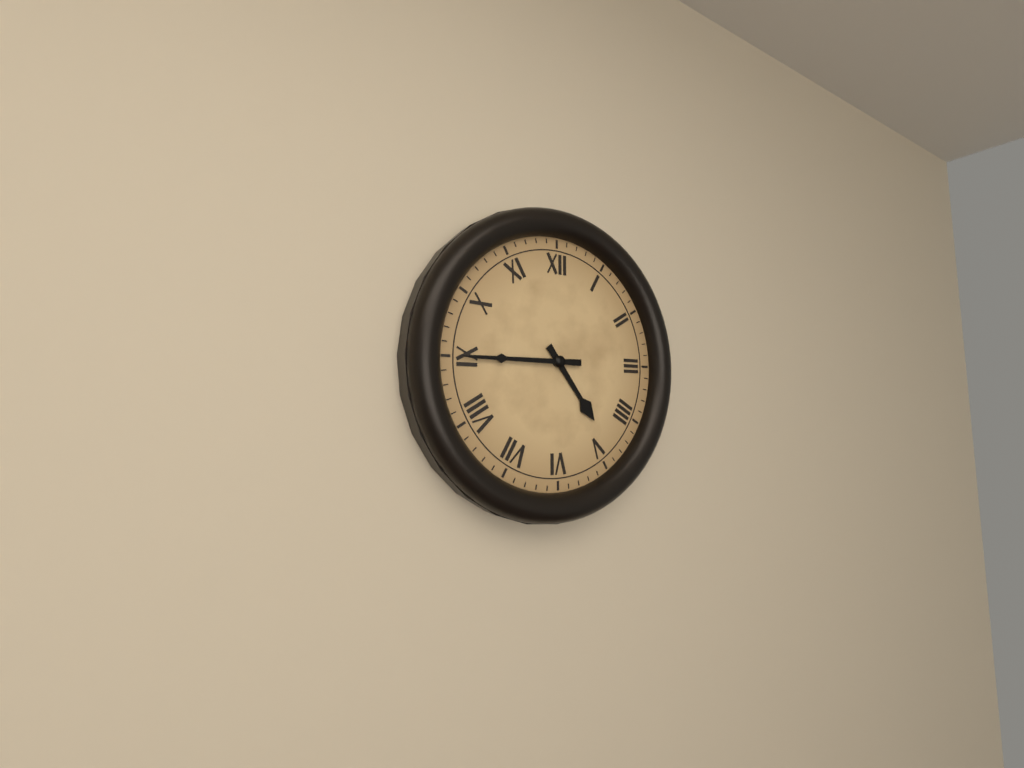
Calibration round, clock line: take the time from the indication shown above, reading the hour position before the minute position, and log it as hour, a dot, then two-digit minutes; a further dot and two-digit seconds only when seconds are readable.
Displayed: 4.45
